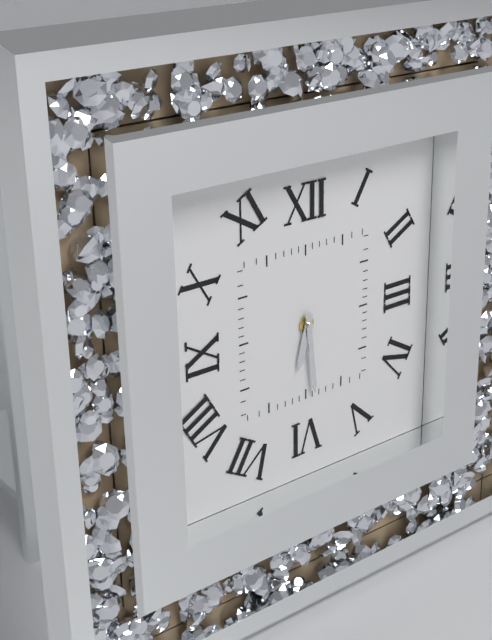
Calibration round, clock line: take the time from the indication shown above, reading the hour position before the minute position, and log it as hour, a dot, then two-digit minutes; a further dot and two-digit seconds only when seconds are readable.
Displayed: 6.29
